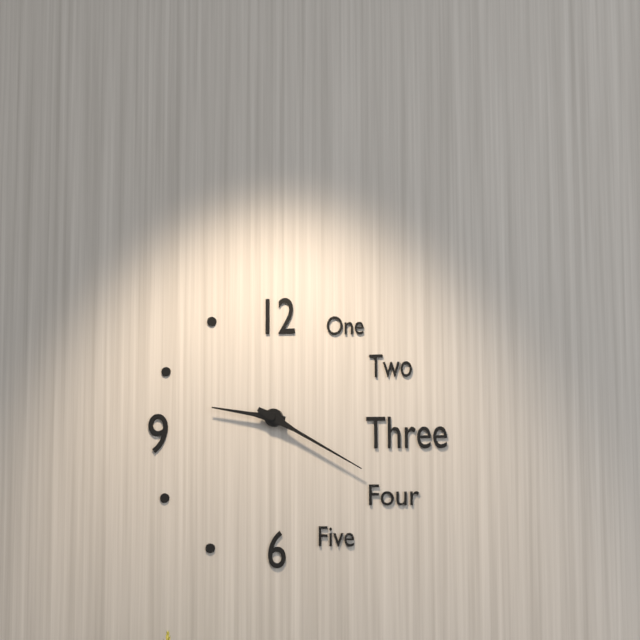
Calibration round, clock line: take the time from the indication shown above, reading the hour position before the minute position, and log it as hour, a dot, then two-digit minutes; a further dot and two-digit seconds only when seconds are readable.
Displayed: 9.20
